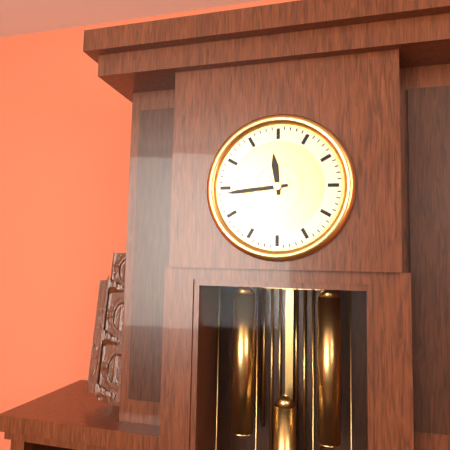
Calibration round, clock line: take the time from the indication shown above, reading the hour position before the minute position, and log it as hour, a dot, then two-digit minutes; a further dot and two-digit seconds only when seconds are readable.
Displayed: 11.44
